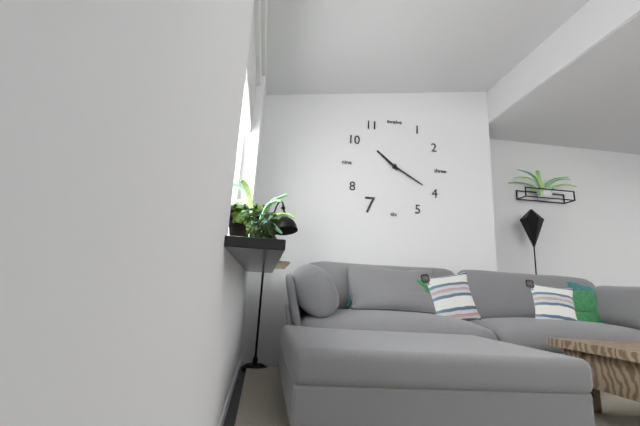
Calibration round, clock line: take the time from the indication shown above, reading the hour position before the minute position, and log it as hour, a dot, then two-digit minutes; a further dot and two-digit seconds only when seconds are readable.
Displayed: 10.20
